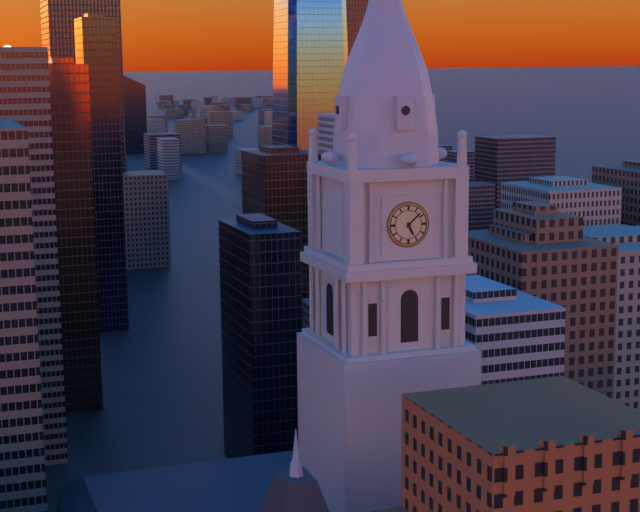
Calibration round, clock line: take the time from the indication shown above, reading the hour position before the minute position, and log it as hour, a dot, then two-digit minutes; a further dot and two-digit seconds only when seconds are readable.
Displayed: 5.08
